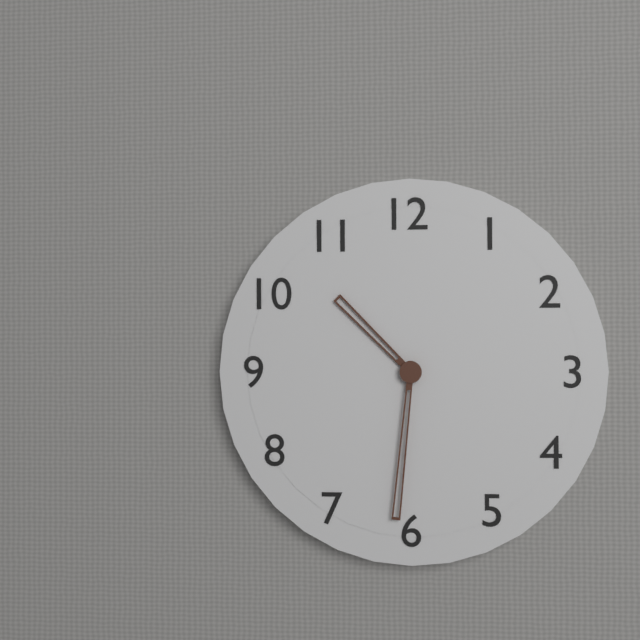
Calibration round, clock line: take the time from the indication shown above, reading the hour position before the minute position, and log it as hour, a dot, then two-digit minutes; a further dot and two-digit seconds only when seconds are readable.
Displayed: 10.31
